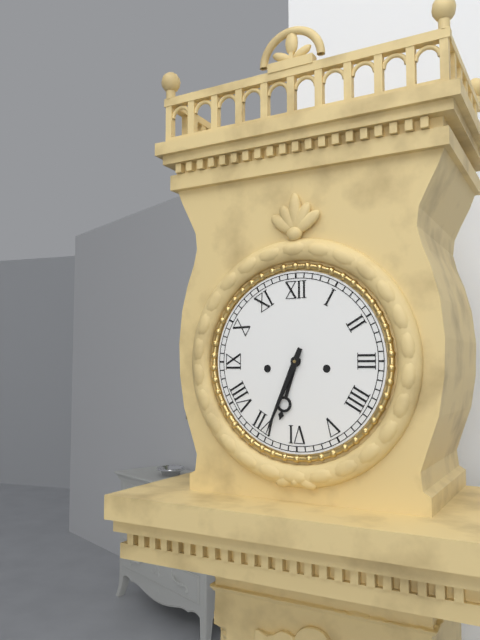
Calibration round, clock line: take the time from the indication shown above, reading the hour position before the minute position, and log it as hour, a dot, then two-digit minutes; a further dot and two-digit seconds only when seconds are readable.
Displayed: 6.34
